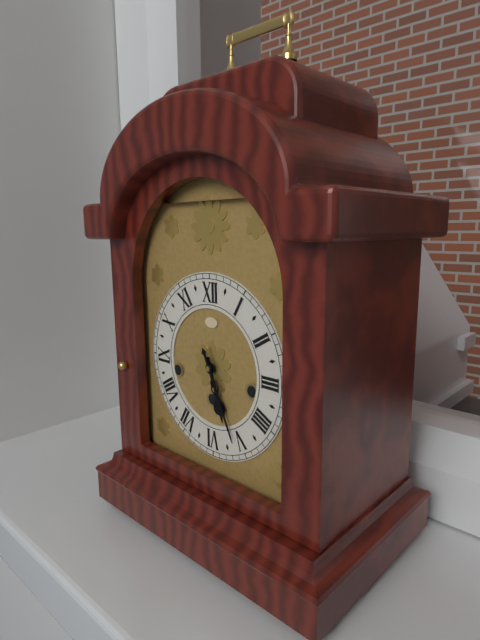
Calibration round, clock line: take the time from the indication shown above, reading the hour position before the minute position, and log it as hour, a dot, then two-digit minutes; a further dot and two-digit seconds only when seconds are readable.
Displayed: 5.26
